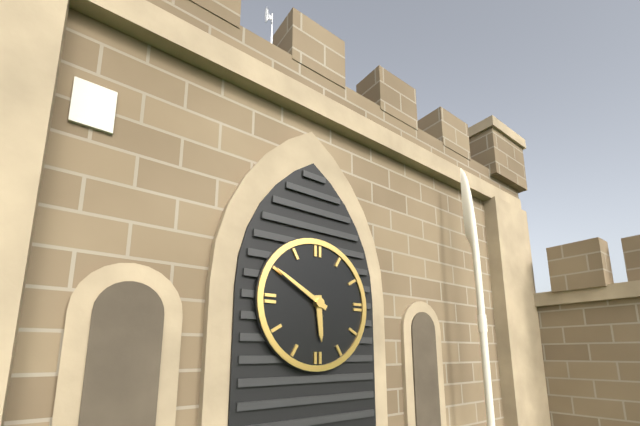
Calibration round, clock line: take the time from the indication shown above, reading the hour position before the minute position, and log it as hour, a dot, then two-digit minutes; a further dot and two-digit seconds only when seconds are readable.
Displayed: 5.50
